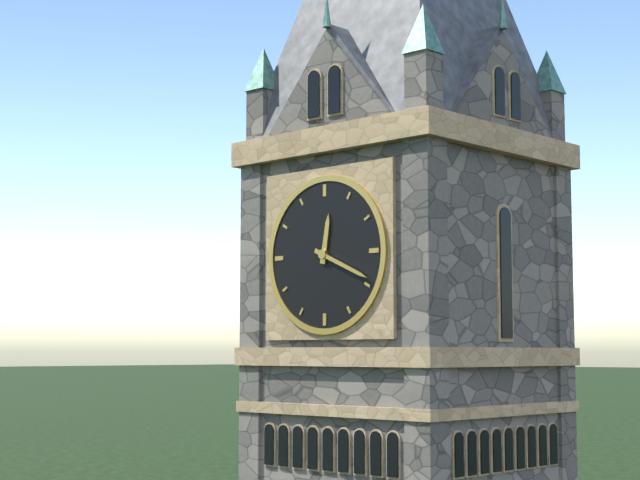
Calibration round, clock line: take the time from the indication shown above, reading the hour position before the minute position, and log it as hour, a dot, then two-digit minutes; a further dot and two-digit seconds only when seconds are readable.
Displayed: 12.19
